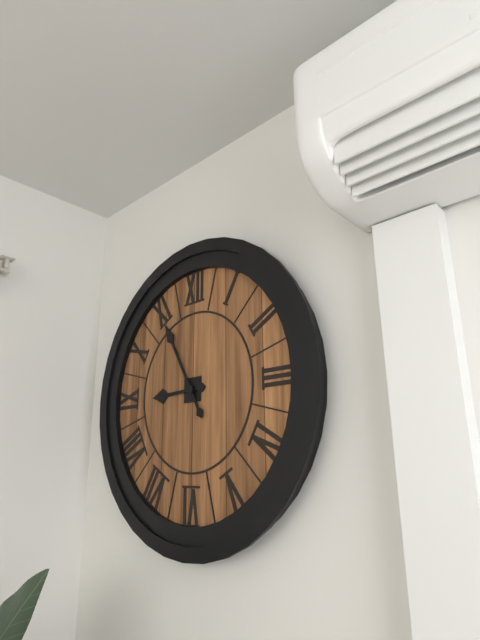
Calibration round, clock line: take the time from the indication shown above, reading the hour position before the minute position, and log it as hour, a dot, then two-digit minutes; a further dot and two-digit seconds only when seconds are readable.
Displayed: 8.55
